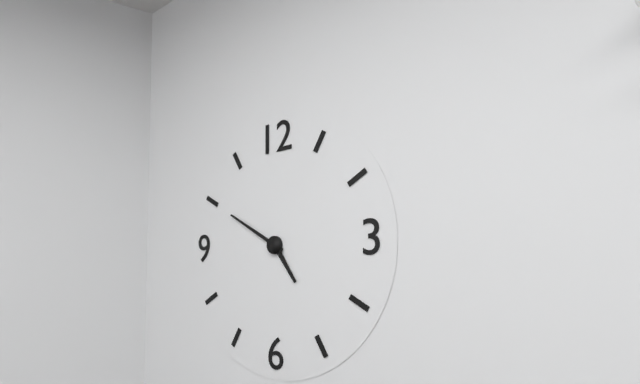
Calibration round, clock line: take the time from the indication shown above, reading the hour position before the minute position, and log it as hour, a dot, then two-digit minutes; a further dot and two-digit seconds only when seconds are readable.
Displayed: 4.50
